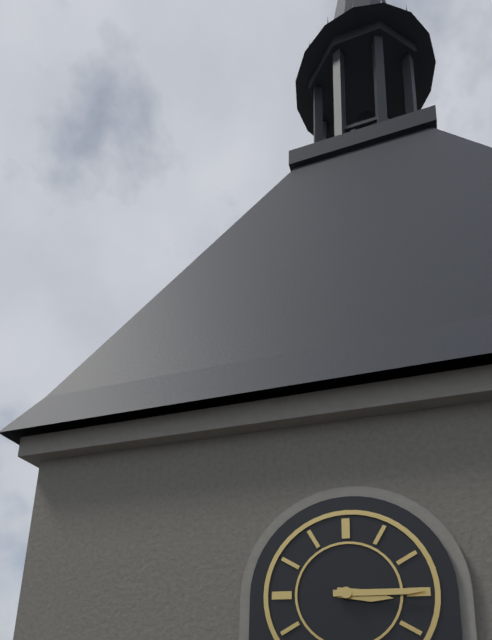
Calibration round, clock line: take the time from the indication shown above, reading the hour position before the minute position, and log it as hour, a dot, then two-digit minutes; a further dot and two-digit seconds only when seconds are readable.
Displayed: 3.15
